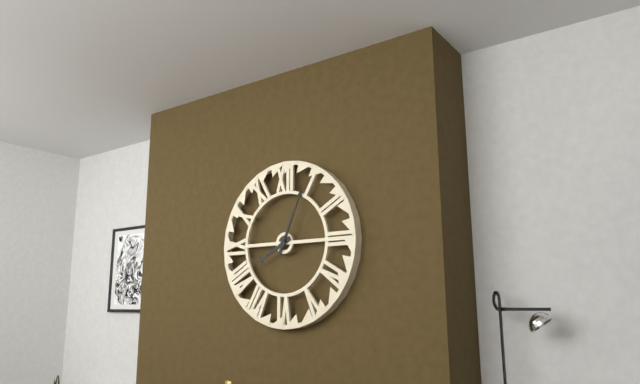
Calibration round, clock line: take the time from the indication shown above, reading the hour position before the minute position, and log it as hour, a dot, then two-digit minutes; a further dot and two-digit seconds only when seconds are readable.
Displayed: 8.04
